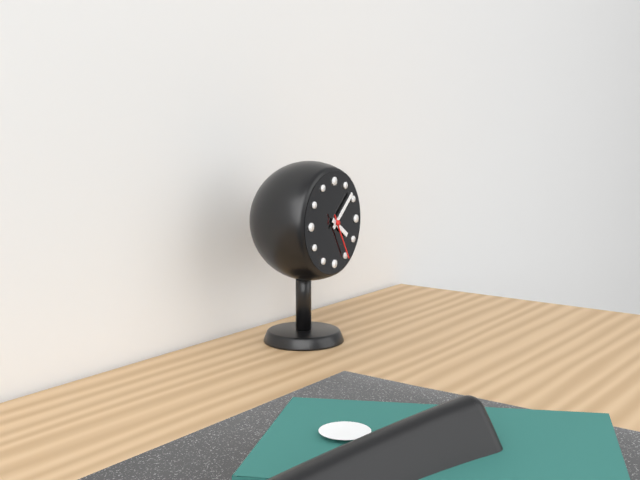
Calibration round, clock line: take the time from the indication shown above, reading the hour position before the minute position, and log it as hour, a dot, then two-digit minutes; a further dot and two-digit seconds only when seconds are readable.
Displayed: 4.08
